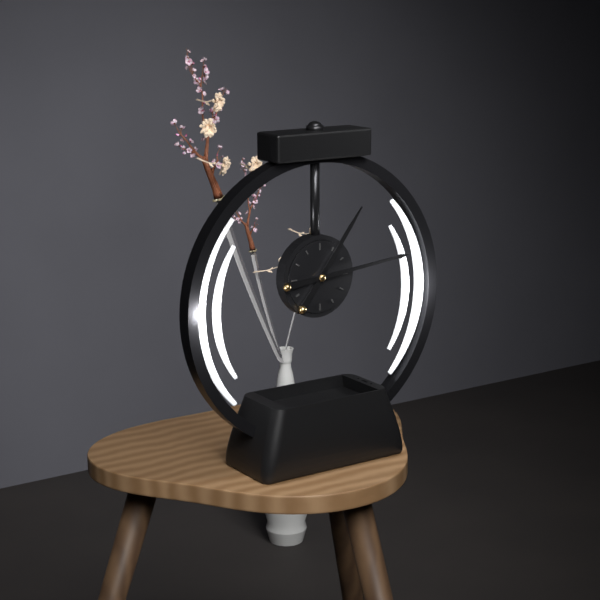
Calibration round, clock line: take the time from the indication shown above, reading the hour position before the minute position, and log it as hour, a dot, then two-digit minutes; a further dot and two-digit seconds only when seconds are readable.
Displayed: 1.14
